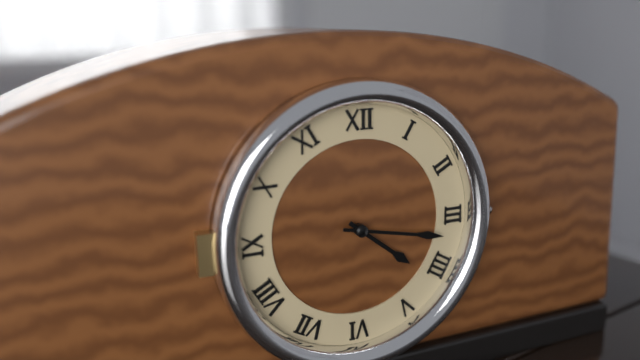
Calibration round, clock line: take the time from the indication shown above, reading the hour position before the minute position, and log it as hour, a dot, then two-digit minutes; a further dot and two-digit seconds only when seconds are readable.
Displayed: 4.17
